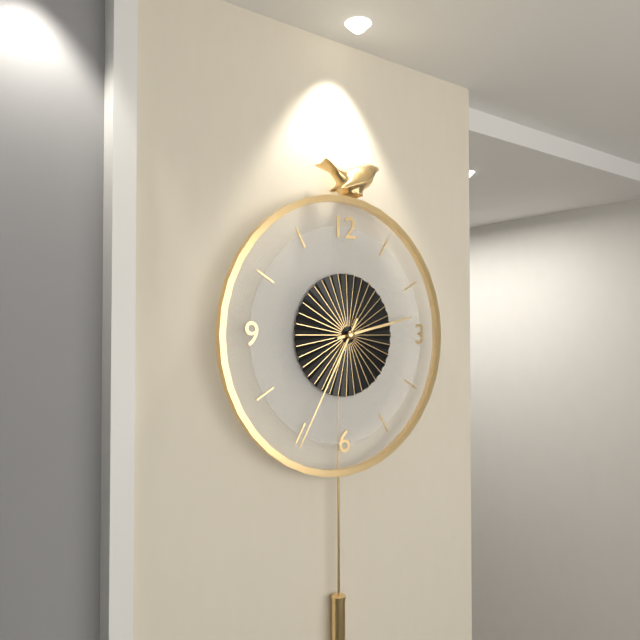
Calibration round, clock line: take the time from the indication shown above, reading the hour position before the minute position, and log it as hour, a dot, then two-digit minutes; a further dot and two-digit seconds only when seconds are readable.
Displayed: 2.35
